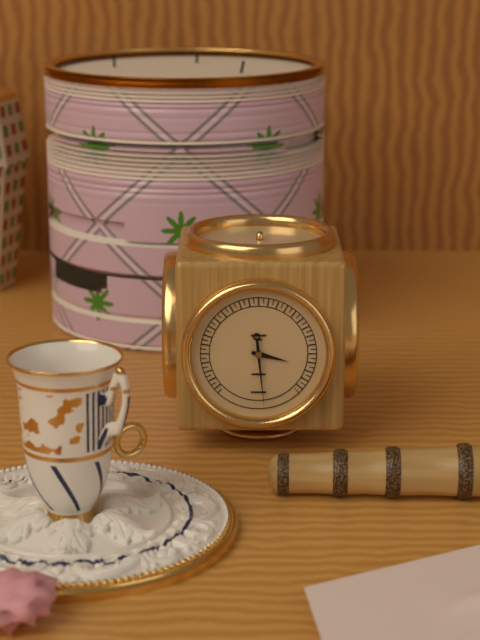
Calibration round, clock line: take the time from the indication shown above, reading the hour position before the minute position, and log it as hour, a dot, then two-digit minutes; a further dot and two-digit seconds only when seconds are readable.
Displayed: 3.29
